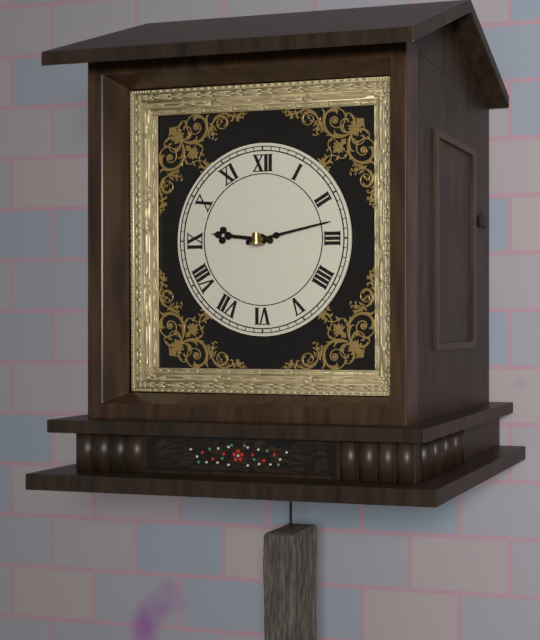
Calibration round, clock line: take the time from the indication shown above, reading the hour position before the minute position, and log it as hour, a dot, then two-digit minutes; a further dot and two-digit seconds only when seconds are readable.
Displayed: 9.13
